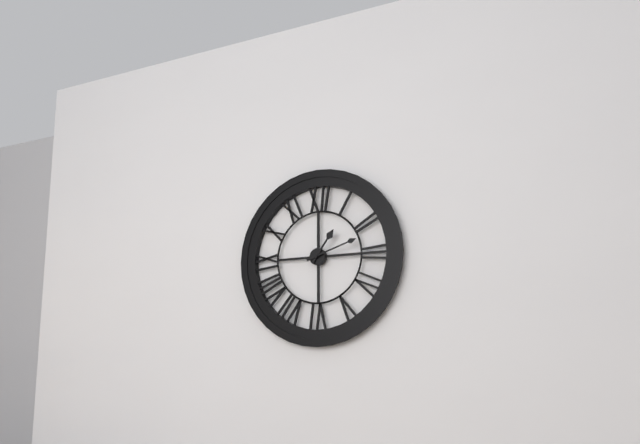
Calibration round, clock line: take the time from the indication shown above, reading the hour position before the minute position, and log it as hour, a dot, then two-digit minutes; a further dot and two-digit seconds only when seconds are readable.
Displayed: 1.12
